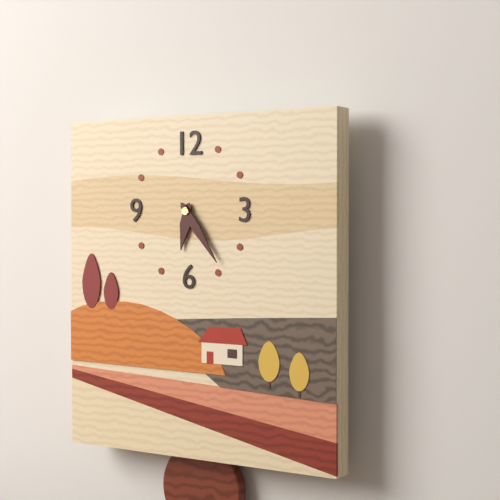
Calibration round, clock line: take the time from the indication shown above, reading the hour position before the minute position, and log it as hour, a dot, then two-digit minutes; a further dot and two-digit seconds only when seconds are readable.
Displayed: 6.24
